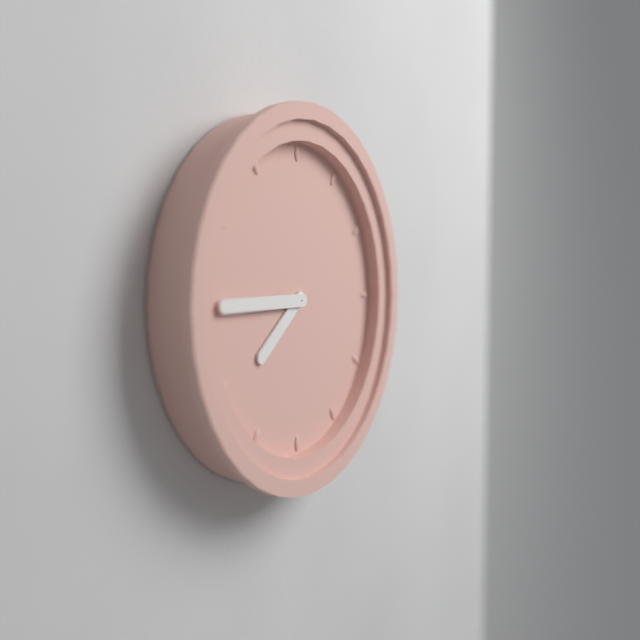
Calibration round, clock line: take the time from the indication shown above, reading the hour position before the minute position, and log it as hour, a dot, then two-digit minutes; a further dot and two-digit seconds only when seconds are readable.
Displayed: 7.45
